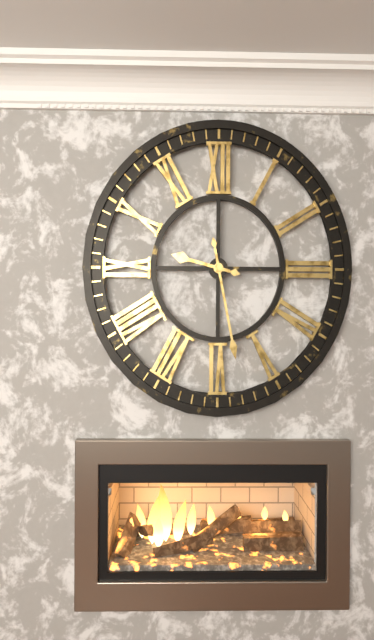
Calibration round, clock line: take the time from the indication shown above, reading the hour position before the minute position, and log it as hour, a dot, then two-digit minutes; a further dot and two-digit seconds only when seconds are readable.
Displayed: 9.28
